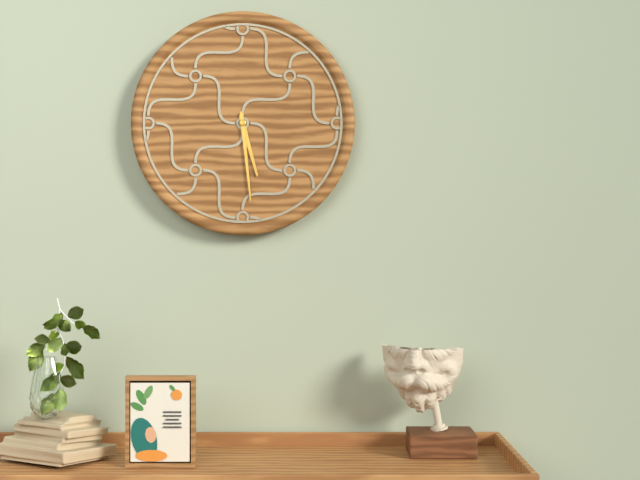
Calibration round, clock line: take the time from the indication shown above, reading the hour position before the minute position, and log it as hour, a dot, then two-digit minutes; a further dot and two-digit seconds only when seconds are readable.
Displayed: 5.29
